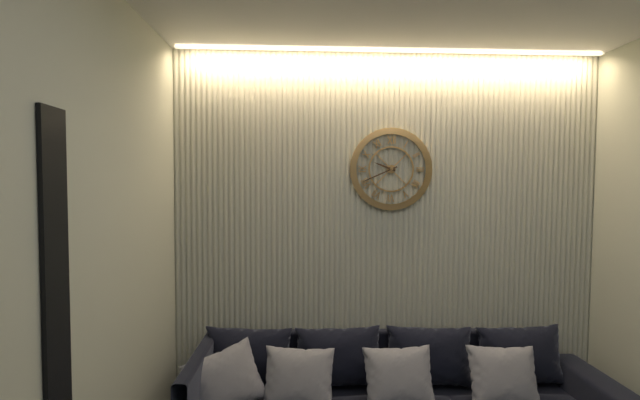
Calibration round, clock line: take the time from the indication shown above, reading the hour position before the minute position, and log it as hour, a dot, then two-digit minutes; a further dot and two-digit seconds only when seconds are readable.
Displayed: 9.41
